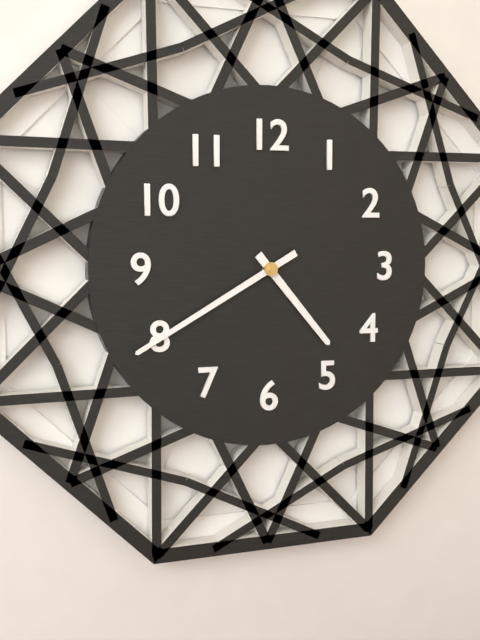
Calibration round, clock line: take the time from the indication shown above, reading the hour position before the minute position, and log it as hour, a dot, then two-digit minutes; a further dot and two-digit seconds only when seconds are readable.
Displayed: 4.40
